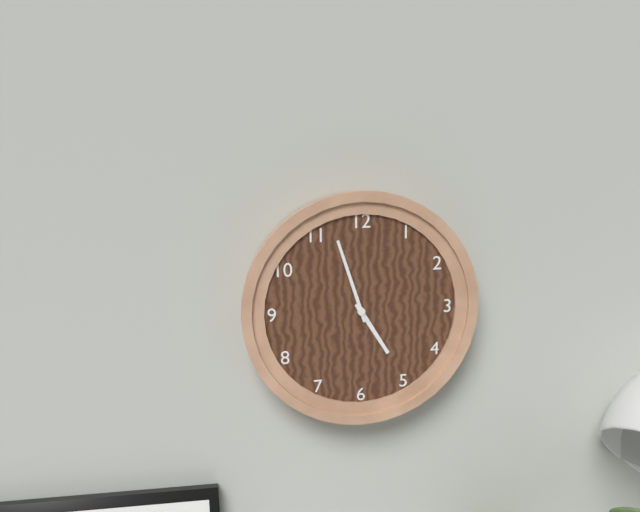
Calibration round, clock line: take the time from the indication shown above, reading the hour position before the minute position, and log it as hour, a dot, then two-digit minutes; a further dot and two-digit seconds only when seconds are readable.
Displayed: 4.57
